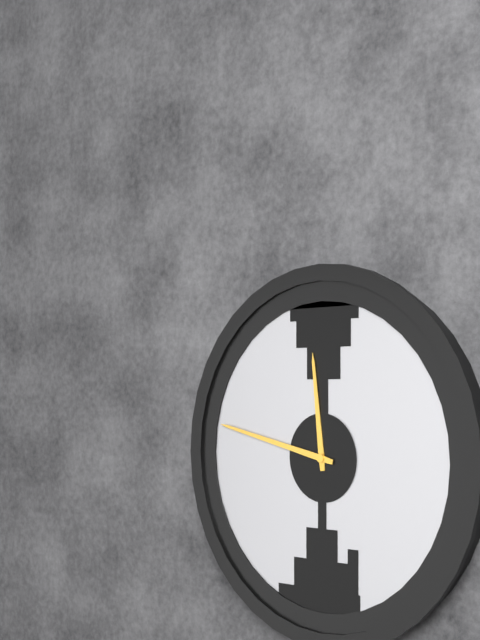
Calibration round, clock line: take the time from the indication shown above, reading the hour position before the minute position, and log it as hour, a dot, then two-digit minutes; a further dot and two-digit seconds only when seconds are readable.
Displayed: 11.47
